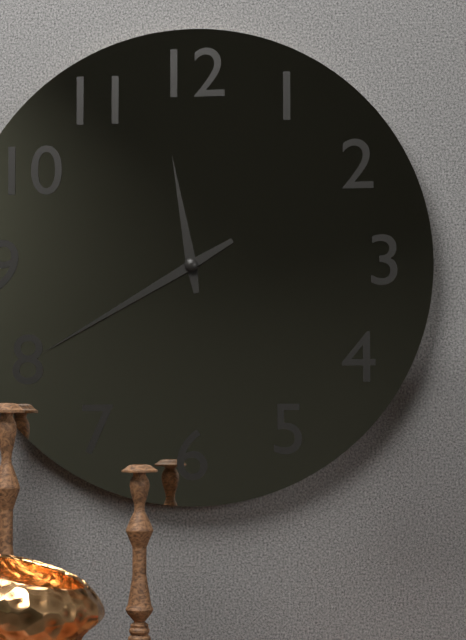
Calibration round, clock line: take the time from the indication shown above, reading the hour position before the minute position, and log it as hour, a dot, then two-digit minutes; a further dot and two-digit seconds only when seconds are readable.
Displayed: 11.40
